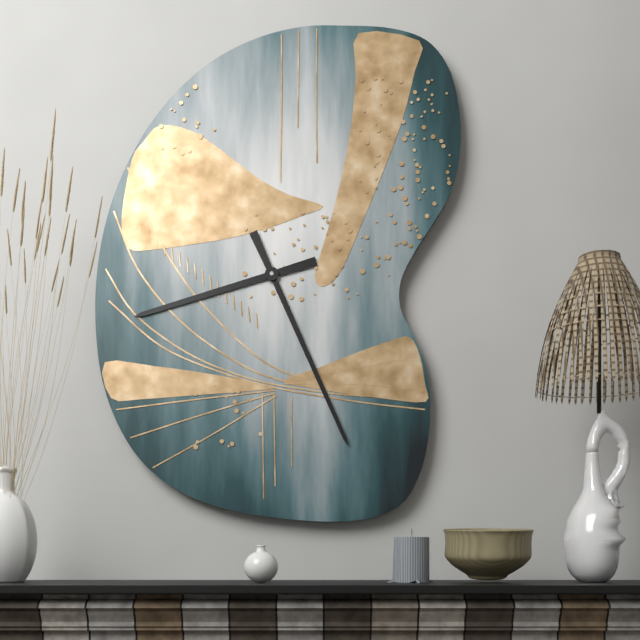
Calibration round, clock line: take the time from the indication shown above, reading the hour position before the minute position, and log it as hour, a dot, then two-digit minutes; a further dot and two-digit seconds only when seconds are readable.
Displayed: 8.26
